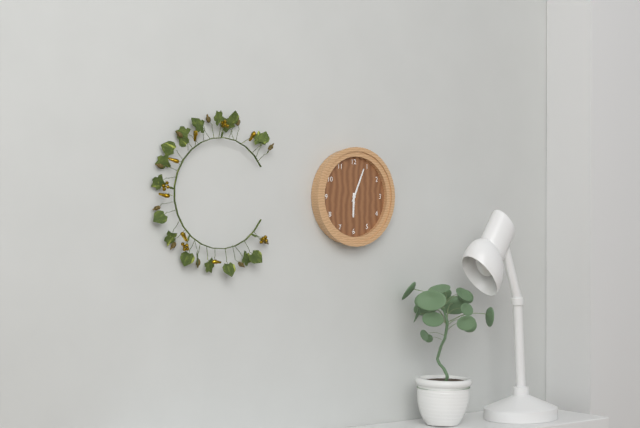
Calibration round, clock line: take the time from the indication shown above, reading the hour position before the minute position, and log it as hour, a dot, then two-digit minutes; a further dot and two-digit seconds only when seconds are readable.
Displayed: 6.04
